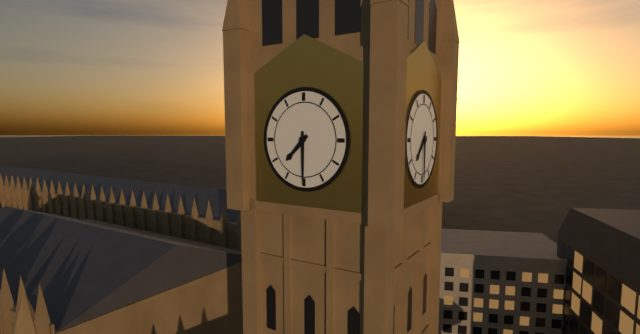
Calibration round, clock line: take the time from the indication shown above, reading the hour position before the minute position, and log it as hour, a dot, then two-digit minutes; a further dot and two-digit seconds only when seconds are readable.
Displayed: 7.30
